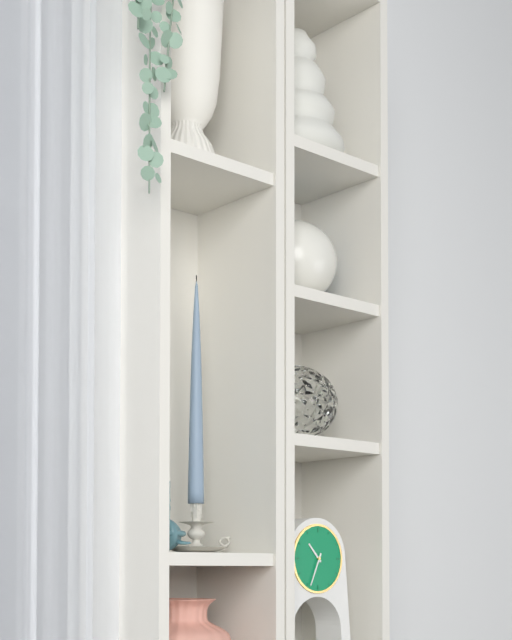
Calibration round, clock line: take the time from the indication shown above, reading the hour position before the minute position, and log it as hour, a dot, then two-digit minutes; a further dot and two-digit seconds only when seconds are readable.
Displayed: 10.34
